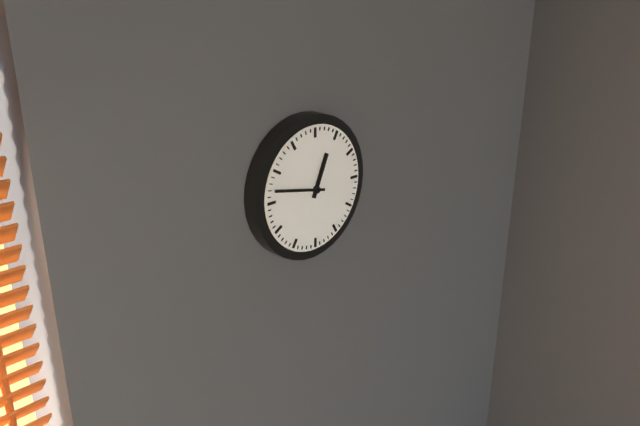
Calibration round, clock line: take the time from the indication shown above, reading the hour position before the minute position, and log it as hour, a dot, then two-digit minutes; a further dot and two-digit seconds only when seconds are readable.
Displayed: 12.47
